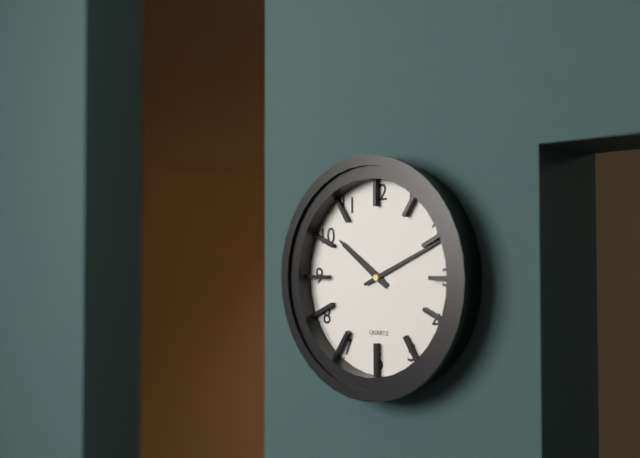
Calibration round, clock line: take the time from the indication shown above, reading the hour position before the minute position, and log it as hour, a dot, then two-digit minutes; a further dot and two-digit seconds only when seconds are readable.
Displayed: 10.11
